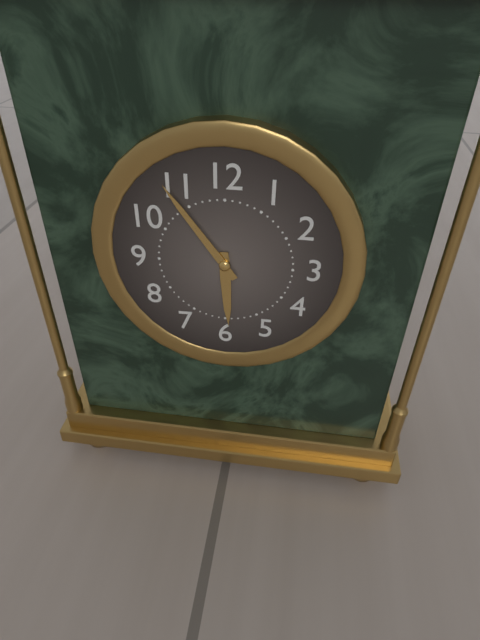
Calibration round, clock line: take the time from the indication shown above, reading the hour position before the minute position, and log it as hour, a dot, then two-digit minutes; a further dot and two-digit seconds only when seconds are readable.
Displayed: 5.54
